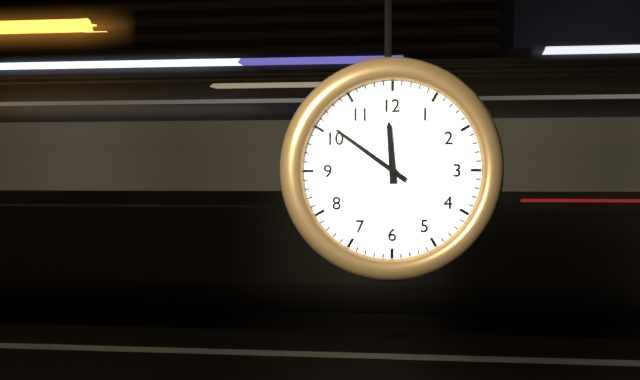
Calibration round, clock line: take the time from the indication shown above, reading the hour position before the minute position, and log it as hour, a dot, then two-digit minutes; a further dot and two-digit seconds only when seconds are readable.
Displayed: 11.51
